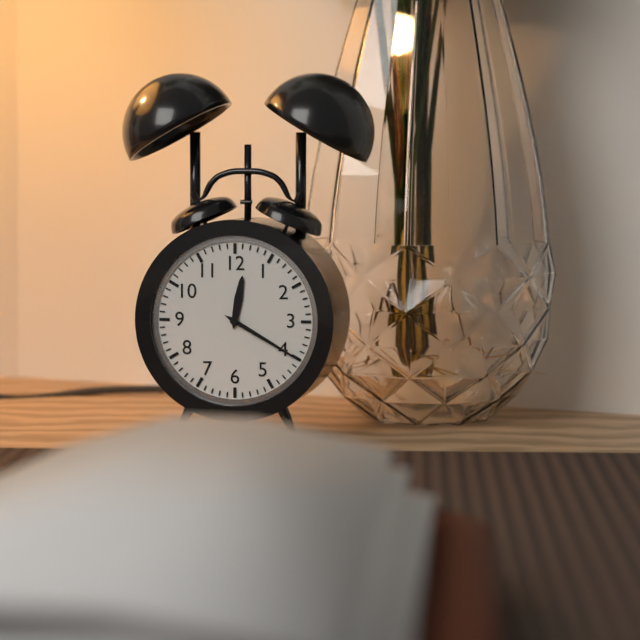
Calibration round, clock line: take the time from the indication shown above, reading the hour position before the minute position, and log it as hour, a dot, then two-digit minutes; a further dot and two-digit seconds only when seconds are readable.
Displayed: 12.20
